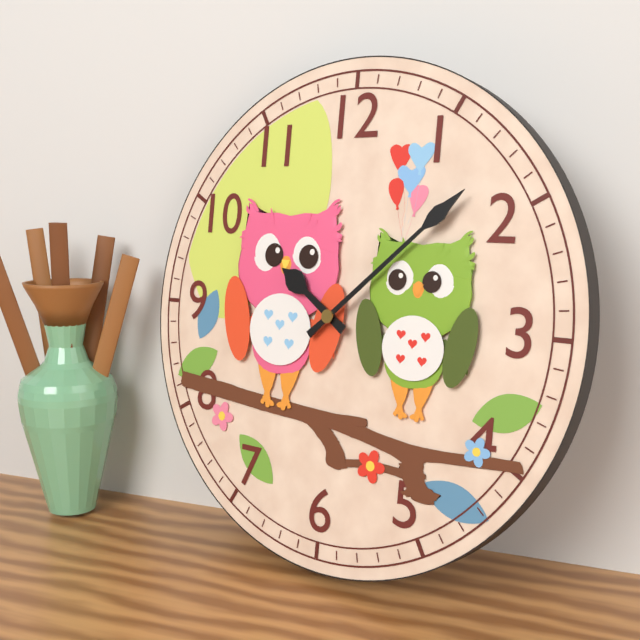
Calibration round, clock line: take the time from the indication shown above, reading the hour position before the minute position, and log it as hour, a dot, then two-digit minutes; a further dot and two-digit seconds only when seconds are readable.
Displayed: 10.08
